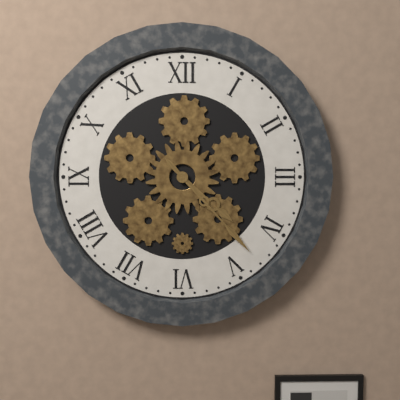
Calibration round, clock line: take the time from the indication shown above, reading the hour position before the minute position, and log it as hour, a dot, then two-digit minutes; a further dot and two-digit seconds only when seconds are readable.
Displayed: 4.23
